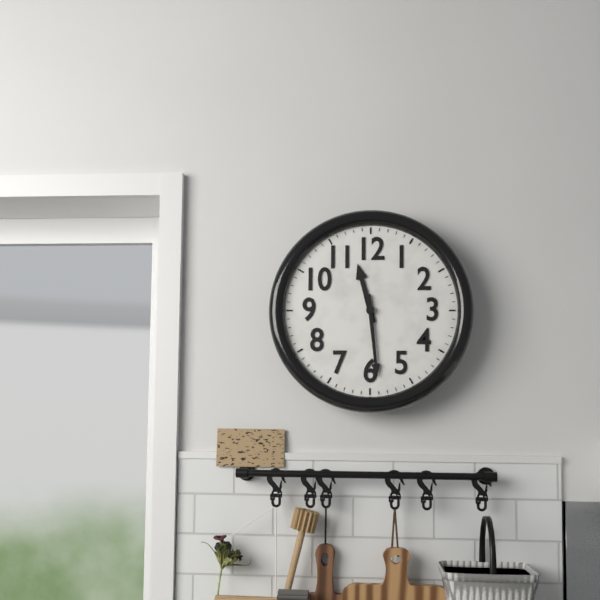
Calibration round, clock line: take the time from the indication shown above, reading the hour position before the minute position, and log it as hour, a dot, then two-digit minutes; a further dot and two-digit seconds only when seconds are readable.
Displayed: 11.29
